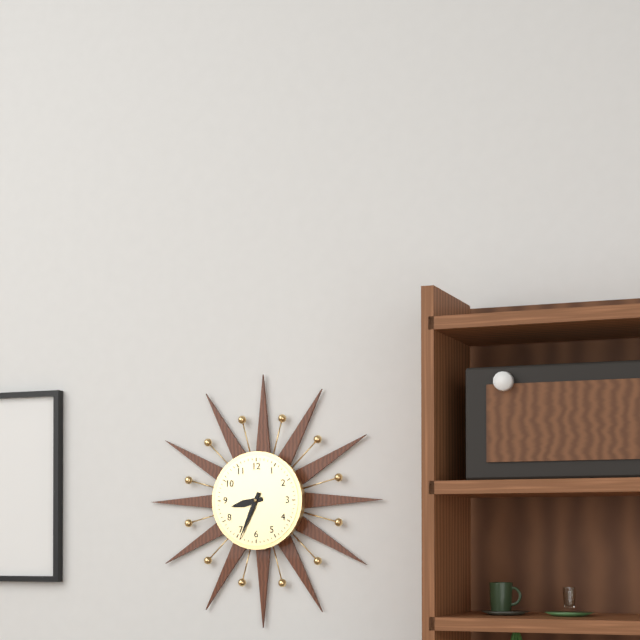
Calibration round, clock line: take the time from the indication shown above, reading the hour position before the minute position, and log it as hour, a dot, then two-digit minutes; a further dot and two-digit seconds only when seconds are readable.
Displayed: 8.34
